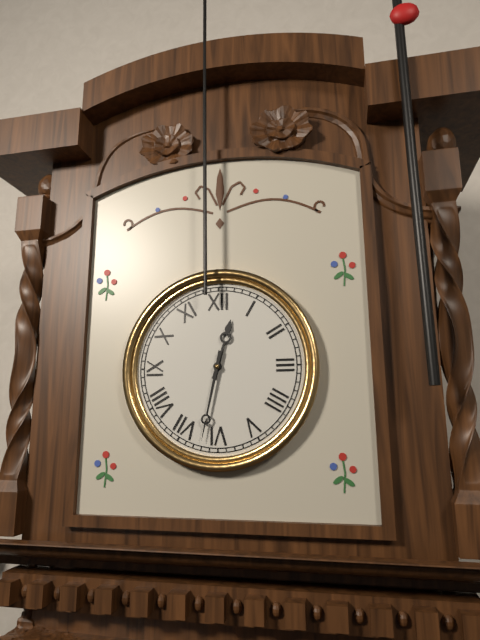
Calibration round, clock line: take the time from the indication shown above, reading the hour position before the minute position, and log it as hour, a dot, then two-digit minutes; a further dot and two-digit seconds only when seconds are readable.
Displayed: 12.32
